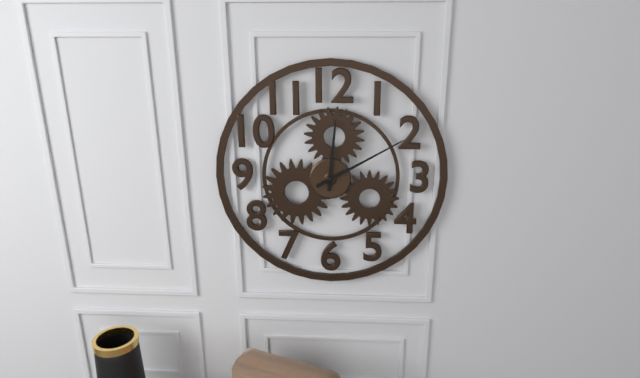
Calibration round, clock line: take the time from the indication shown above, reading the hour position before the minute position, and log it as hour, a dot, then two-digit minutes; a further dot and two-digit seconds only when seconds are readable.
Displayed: 12.10
